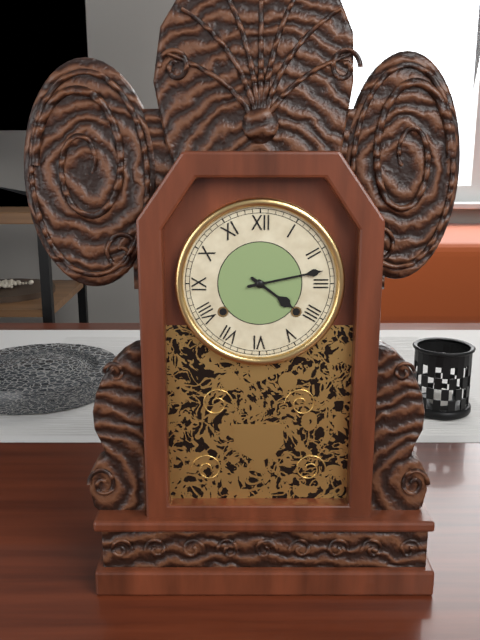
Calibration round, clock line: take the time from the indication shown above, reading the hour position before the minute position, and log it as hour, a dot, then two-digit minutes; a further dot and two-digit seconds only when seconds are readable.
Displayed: 4.13
